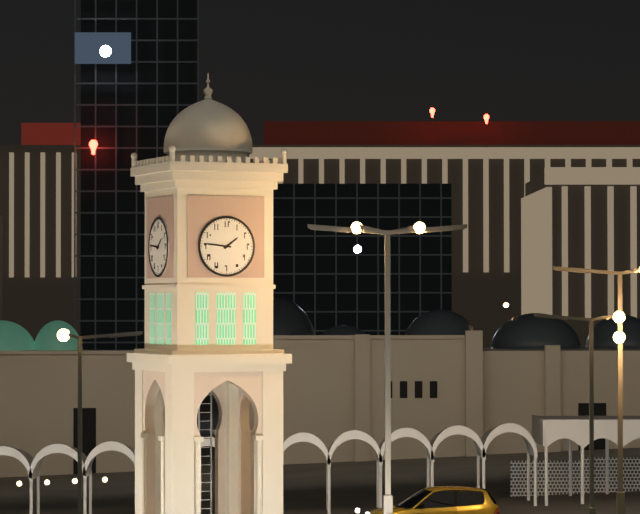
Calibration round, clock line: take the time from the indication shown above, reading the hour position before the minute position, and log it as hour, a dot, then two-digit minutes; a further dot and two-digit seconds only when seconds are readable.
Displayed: 1.46
